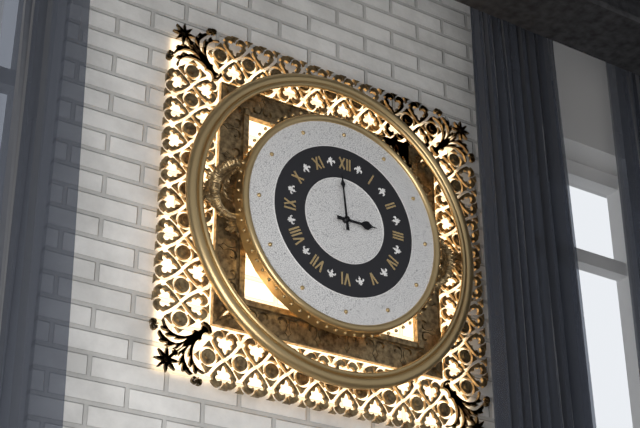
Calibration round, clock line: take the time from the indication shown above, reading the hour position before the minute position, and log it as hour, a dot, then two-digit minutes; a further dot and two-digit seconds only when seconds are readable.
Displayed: 2.59
